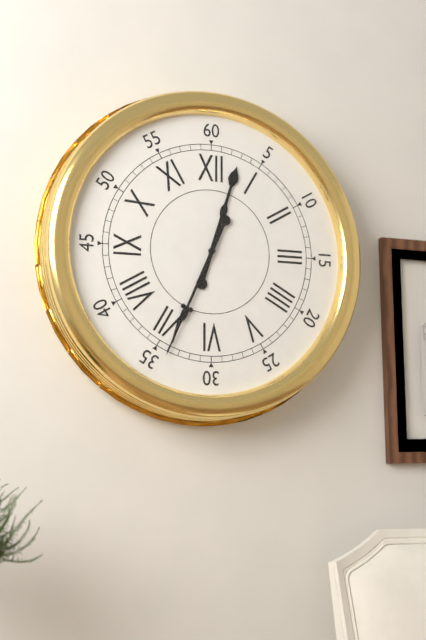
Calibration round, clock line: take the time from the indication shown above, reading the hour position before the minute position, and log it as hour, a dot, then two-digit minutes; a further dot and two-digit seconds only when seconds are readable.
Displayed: 12.34
